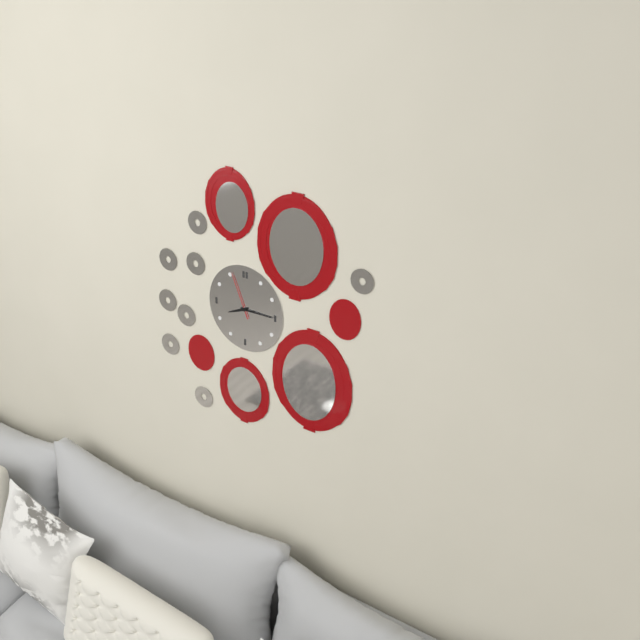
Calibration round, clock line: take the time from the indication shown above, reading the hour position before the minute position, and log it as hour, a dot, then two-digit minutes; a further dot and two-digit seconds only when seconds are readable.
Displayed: 8.15
